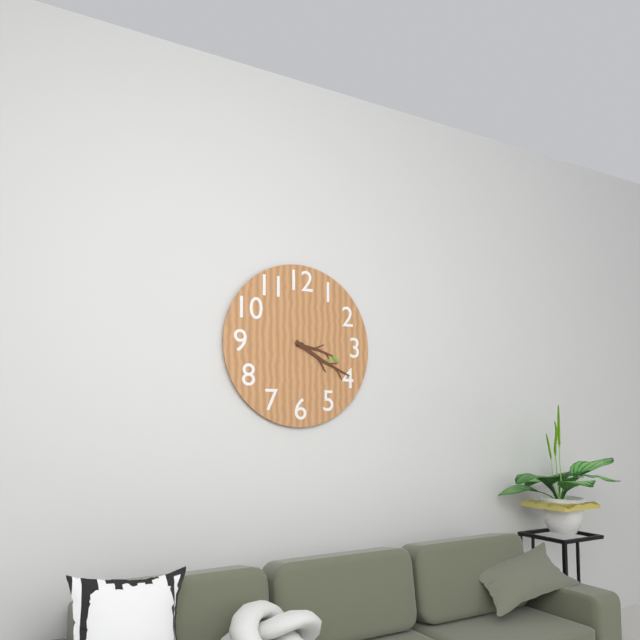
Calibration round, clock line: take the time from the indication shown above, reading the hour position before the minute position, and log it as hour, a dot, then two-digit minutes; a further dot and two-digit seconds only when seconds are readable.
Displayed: 3.20
